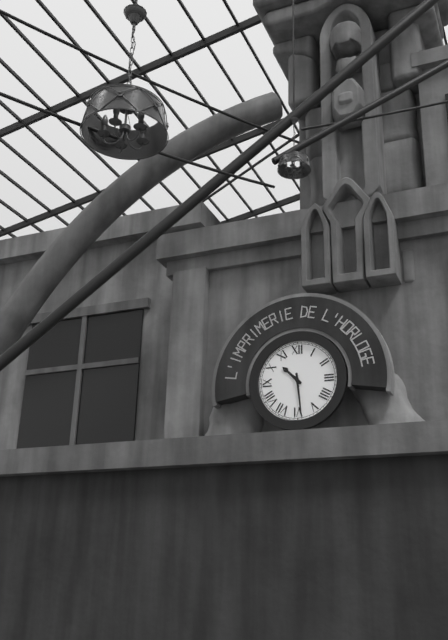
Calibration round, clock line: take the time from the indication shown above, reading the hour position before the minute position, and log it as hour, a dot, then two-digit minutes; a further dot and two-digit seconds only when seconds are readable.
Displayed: 10.29
